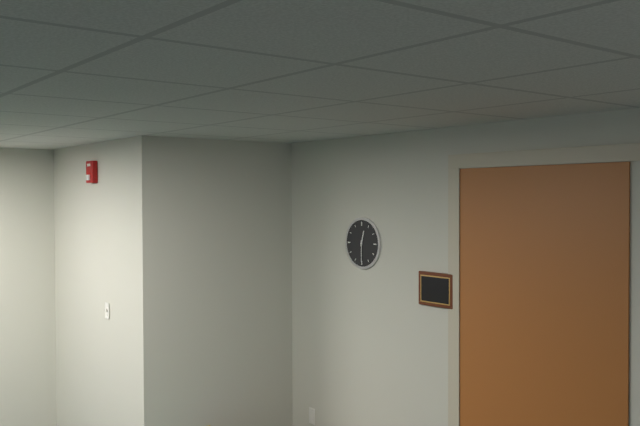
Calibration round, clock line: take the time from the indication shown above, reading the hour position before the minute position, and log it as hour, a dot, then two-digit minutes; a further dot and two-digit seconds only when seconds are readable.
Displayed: 12.30
